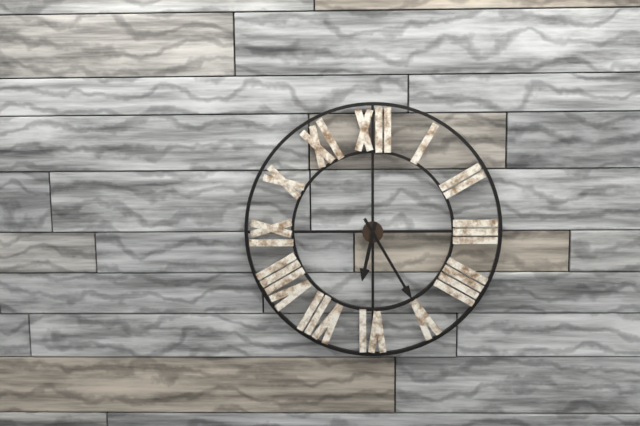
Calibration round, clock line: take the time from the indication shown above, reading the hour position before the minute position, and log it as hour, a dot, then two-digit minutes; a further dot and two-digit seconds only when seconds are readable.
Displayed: 6.25
